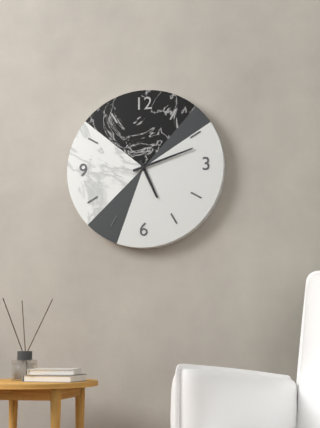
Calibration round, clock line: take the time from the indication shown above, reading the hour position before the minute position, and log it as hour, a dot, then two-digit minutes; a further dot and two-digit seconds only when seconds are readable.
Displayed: 5.12
